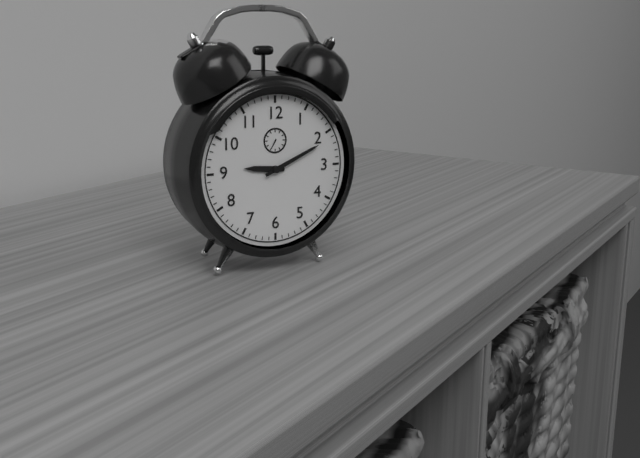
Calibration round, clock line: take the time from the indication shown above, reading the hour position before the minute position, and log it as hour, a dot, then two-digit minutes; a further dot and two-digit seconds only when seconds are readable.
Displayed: 9.11
